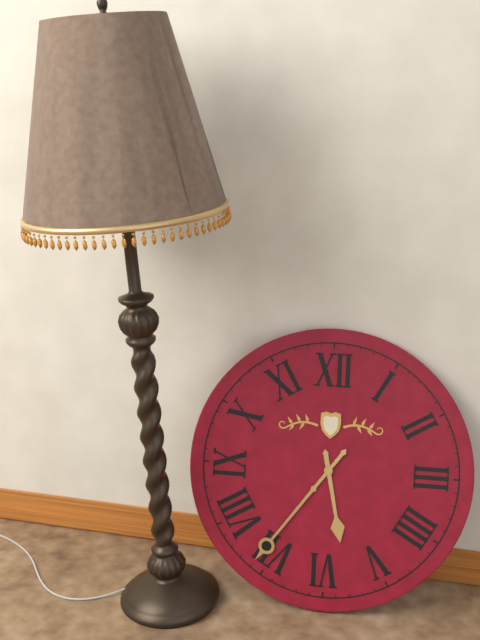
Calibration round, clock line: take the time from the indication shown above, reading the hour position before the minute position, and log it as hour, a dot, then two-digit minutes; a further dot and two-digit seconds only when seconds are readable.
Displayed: 5.36
